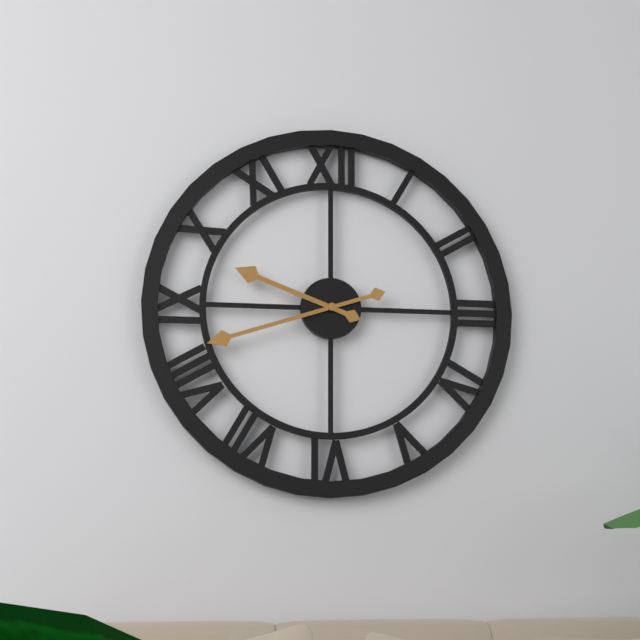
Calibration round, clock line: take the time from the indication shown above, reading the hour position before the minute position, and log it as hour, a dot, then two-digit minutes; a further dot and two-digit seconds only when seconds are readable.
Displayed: 9.42
